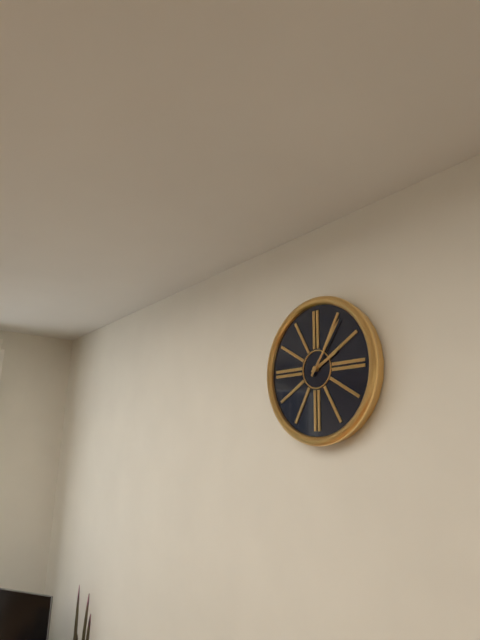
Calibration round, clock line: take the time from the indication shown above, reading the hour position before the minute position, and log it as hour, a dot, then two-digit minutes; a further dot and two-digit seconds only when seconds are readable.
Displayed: 2.06
